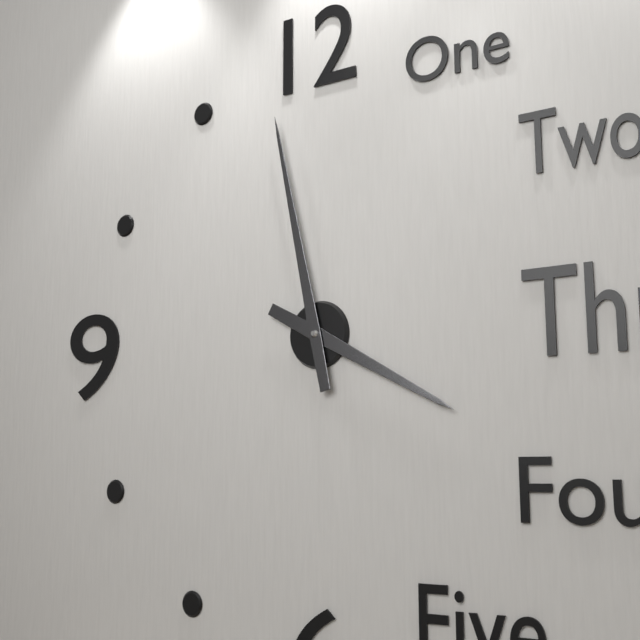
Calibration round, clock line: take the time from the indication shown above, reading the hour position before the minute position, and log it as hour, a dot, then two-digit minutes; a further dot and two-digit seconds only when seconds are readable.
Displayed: 3.58
